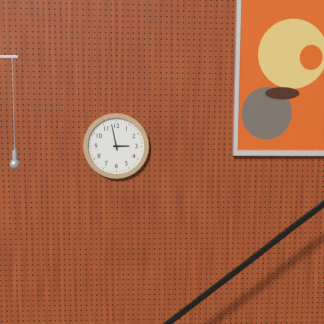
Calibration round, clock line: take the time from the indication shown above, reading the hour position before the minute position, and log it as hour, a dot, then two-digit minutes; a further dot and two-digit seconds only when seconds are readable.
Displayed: 2.58
